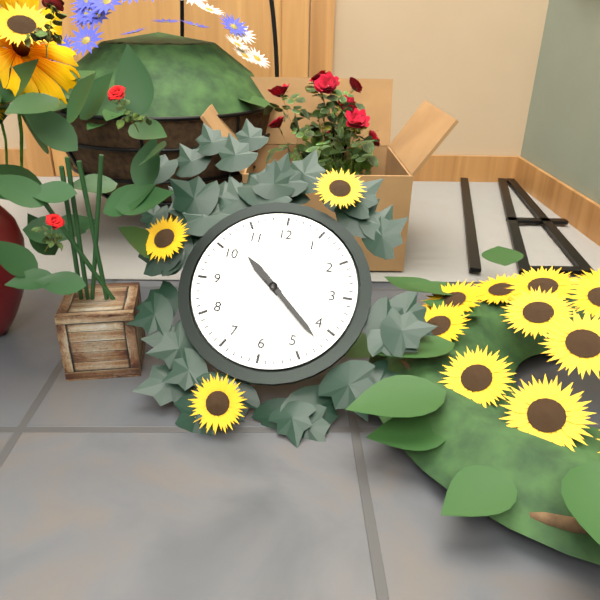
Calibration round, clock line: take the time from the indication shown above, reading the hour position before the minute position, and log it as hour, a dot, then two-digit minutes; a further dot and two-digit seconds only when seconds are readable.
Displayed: 10.22
